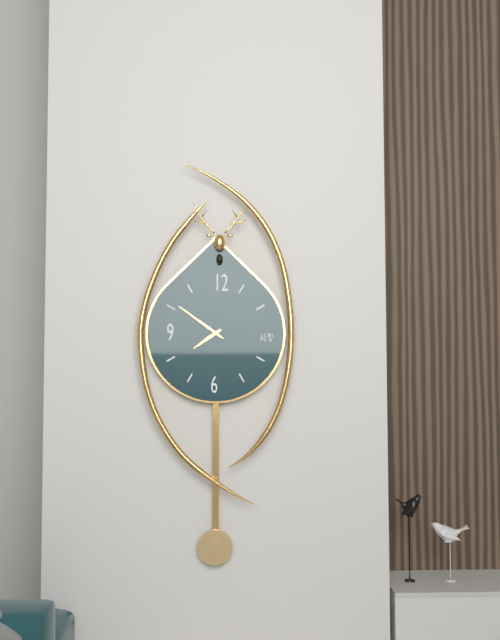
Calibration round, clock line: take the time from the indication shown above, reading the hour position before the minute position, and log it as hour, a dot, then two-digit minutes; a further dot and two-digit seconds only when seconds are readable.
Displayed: 7.51
